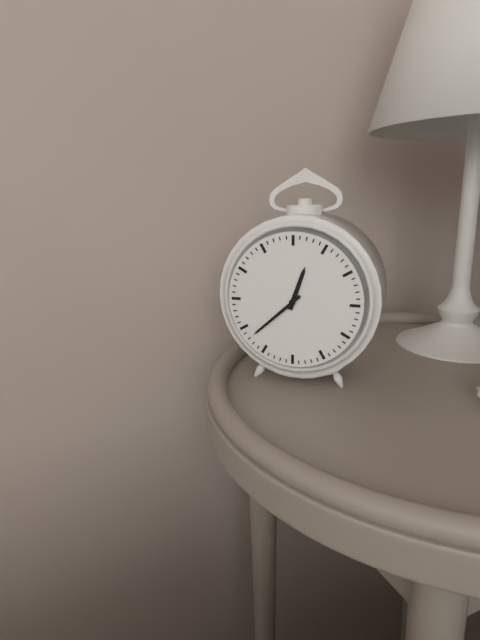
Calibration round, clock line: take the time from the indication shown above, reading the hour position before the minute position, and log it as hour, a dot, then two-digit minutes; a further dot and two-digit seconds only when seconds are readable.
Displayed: 12.38
